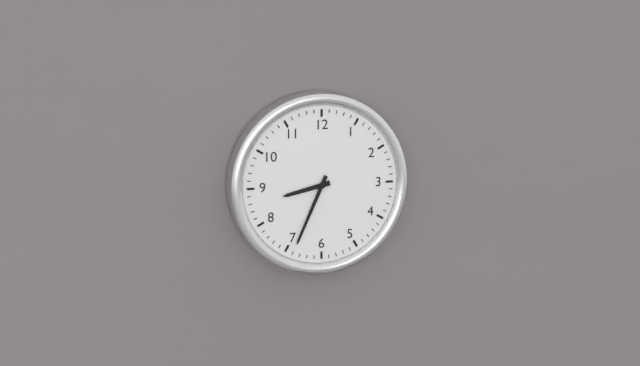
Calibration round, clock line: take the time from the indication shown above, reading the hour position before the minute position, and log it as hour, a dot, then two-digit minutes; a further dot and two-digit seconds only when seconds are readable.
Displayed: 8.34
